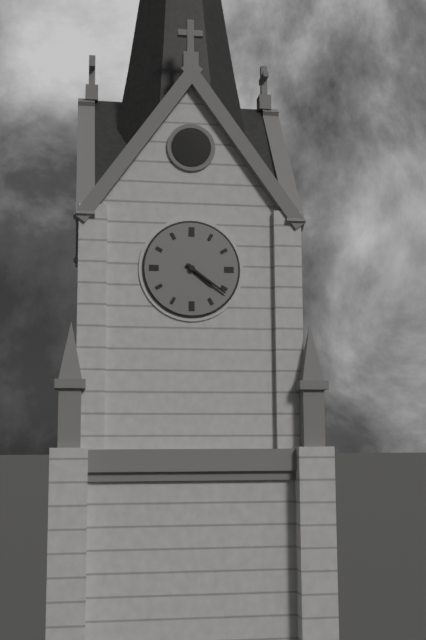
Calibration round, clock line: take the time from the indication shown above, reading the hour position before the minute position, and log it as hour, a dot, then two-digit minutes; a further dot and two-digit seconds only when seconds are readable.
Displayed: 4.21
